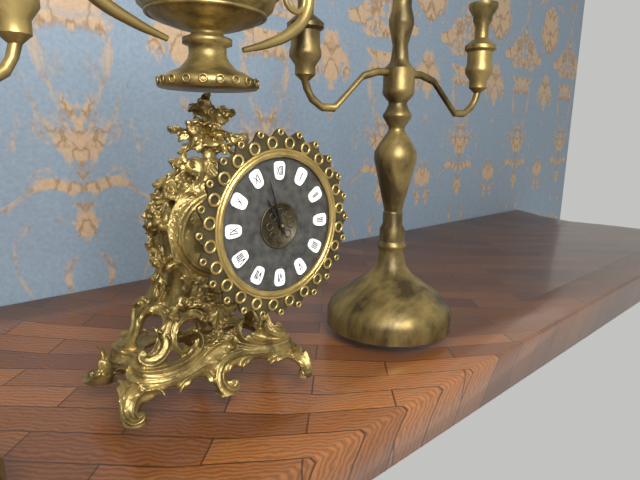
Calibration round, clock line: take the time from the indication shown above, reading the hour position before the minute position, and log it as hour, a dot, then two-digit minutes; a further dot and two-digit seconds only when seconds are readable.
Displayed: 10.57
